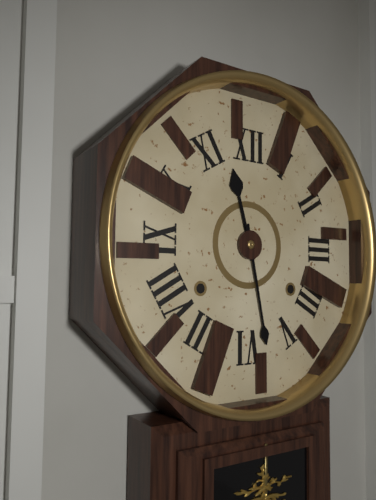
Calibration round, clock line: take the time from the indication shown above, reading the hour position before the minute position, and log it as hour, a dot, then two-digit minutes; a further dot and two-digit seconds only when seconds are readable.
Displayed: 11.28
